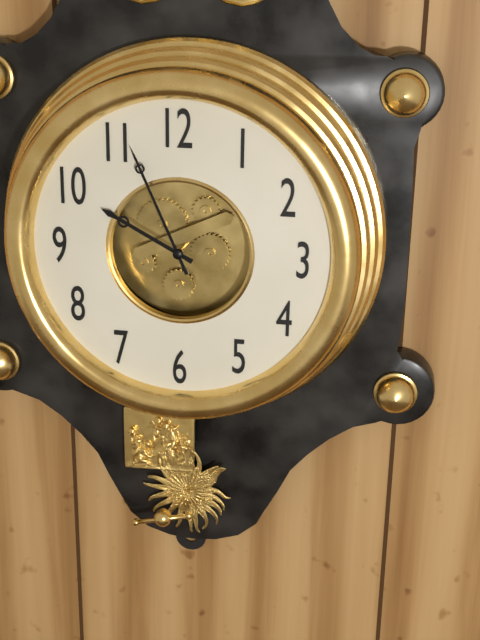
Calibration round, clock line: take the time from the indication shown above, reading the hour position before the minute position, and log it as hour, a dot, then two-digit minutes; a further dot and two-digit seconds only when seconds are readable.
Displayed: 9.56
